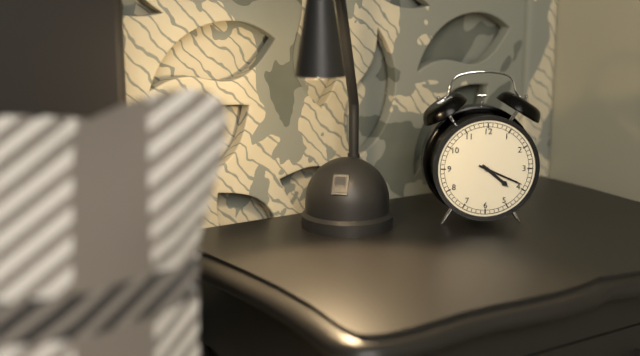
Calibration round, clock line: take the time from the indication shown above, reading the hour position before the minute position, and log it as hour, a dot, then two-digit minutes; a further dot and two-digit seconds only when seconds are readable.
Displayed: 4.19
